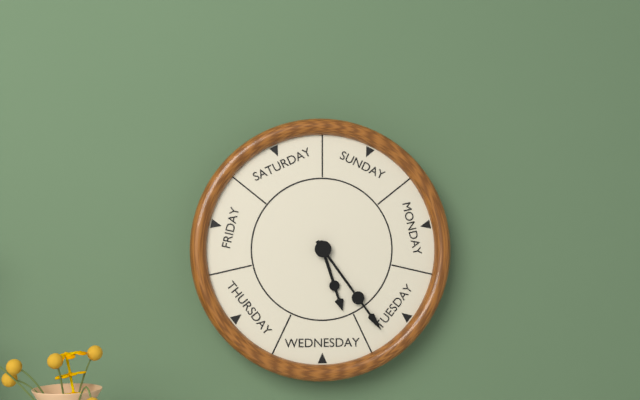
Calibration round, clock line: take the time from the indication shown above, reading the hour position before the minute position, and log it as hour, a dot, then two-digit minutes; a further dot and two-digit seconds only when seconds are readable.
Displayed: 5.24
